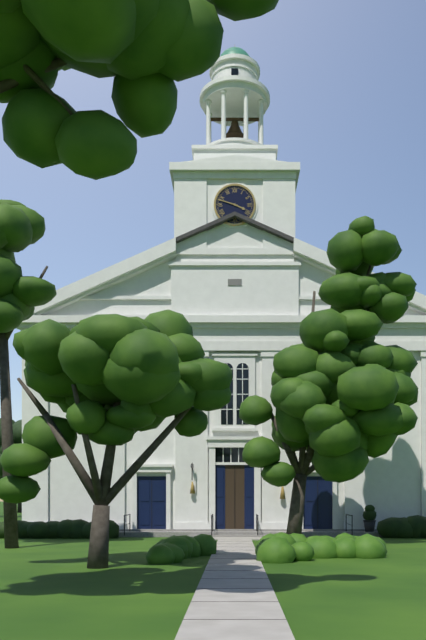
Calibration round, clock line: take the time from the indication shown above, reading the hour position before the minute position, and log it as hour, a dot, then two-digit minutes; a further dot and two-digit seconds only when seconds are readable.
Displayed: 3.48
